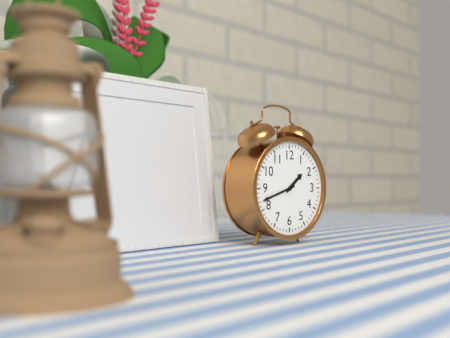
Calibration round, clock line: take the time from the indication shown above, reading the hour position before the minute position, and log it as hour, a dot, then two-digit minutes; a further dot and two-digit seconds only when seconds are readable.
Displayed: 1.42
